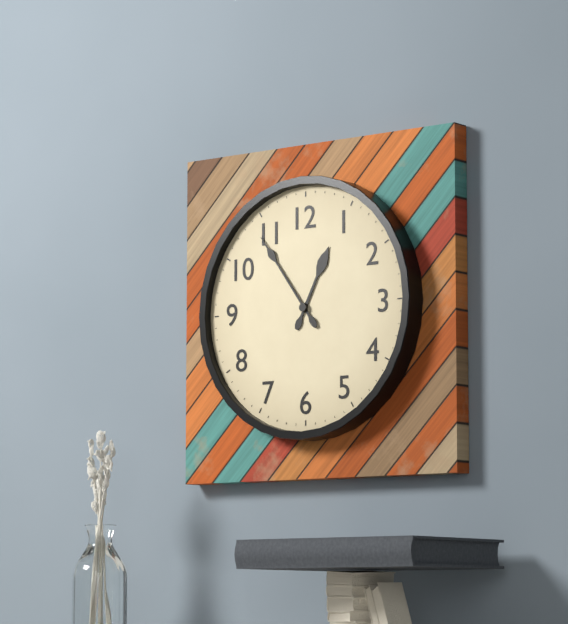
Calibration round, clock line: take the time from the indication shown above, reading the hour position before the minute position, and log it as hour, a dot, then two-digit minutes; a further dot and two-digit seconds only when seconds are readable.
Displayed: 12.54
